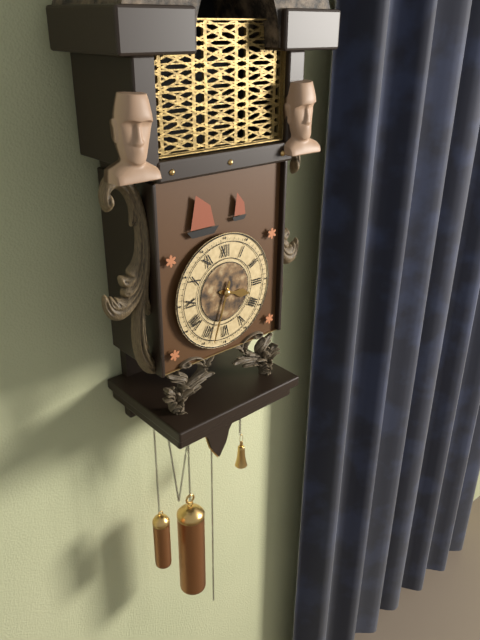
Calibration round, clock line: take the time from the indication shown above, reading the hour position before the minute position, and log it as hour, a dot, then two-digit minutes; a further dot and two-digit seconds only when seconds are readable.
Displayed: 3.33
